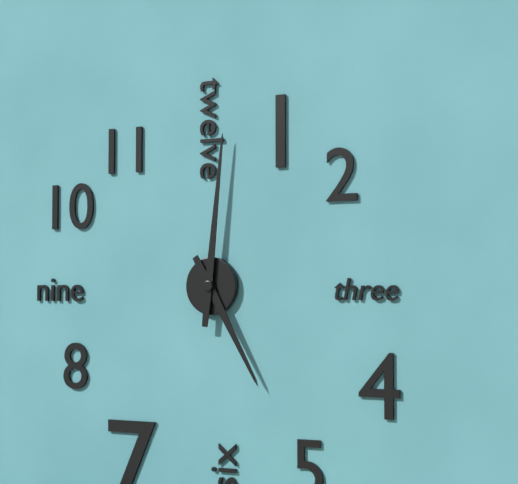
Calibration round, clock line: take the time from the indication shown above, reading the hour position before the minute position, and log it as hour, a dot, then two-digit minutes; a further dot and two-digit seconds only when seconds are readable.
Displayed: 5.01
